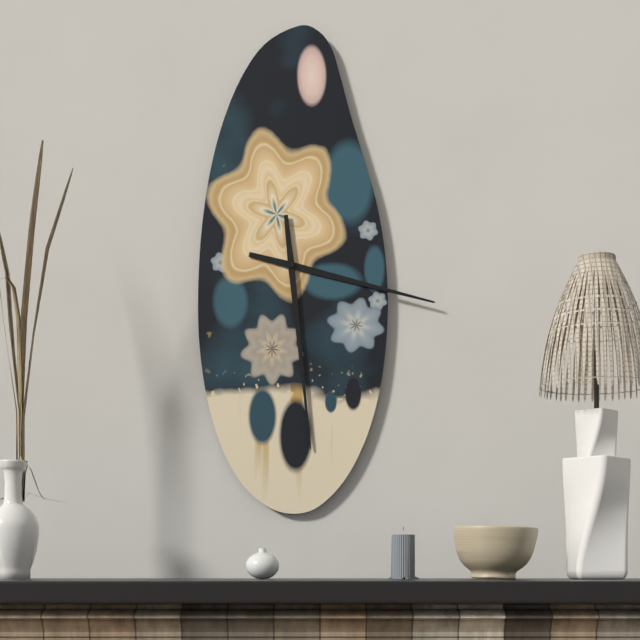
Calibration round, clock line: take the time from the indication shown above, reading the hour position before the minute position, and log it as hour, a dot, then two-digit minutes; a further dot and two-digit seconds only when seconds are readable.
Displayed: 3.29
